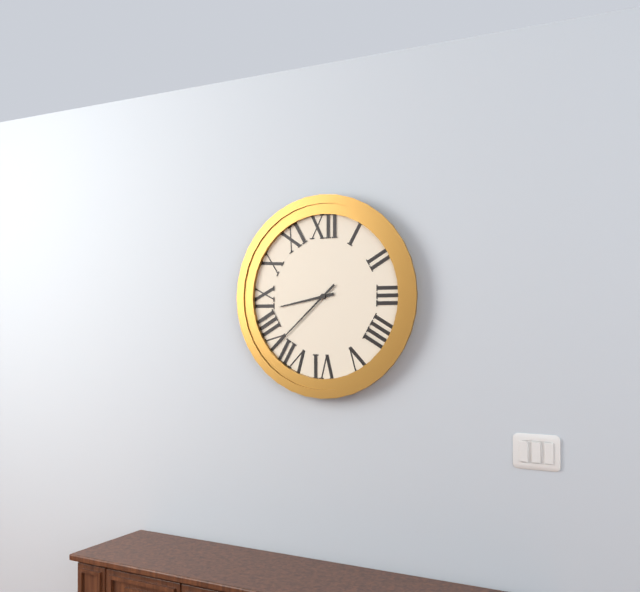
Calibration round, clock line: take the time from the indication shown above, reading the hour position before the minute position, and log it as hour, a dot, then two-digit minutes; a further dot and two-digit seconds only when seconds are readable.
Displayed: 8.38
